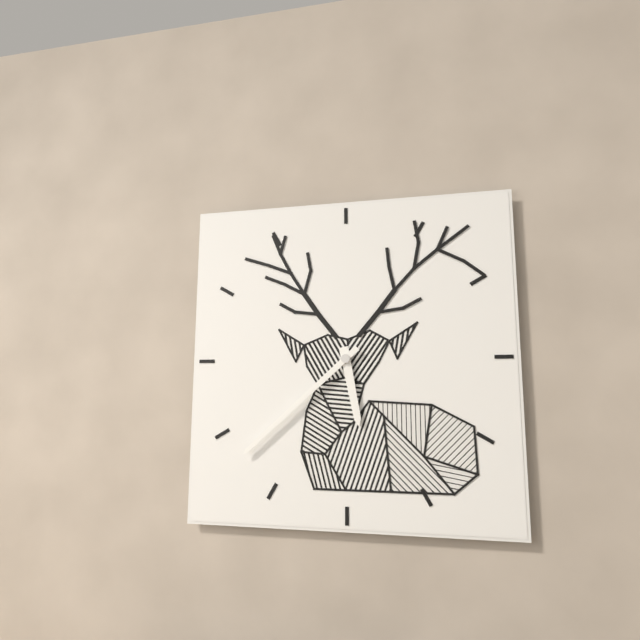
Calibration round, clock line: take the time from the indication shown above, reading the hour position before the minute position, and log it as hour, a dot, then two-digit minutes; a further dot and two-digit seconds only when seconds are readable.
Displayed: 5.38
